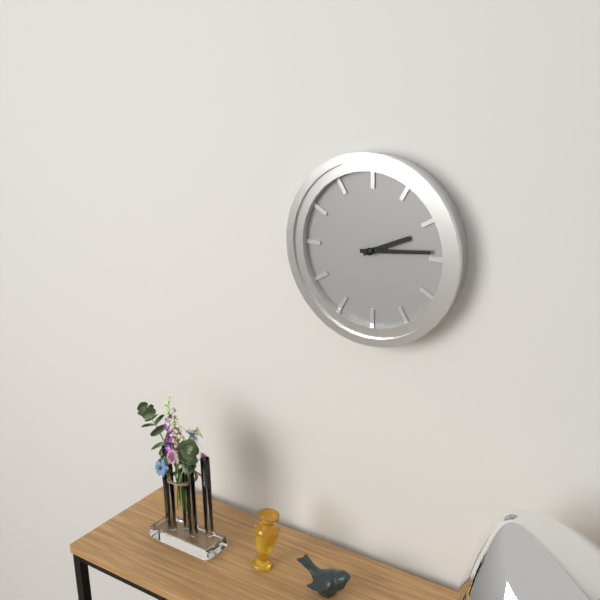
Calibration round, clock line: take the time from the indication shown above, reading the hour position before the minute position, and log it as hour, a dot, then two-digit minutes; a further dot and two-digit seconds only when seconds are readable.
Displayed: 2.14
